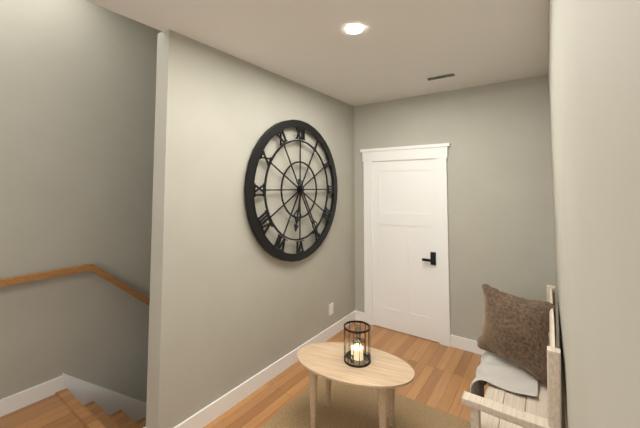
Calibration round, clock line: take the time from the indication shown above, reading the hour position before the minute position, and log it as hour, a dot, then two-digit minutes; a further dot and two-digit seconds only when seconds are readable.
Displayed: 6.25
